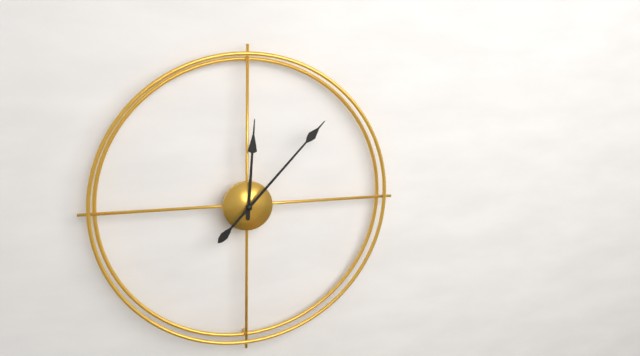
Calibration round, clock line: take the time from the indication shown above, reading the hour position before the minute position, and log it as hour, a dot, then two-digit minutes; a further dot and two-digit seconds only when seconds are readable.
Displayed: 12.07
